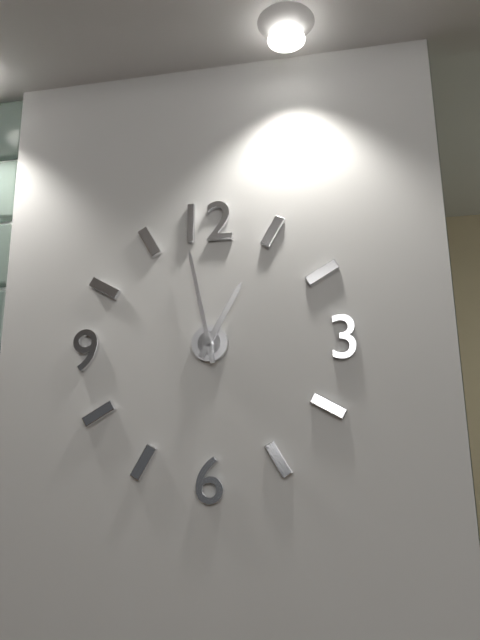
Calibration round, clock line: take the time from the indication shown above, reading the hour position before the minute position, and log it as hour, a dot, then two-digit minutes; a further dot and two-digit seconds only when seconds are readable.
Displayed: 12.58
